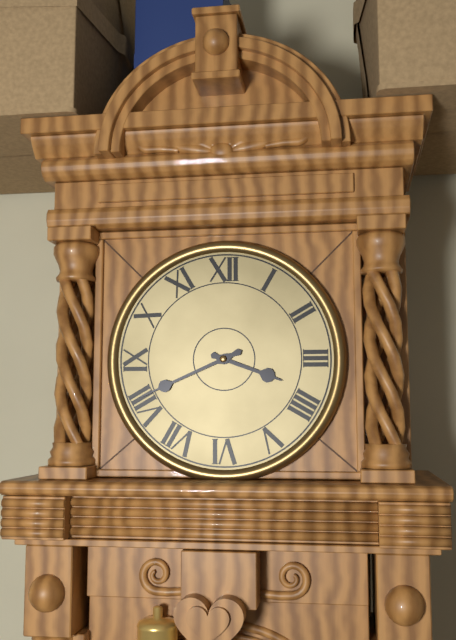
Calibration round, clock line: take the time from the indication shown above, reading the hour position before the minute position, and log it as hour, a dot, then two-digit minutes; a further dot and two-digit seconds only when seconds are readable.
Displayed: 3.41
